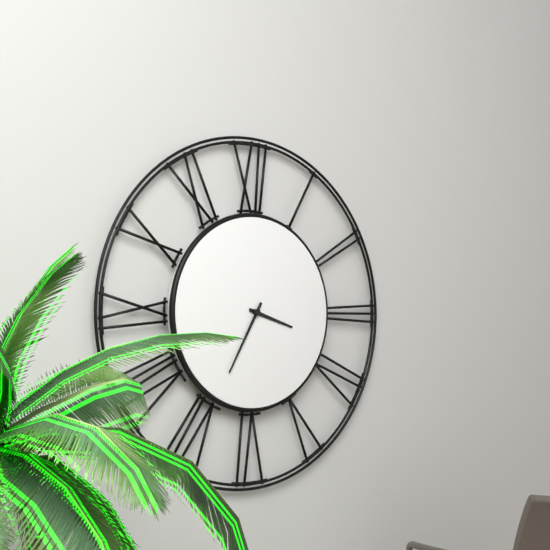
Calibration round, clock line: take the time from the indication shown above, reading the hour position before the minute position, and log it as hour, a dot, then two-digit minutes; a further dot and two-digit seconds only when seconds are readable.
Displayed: 3.35
